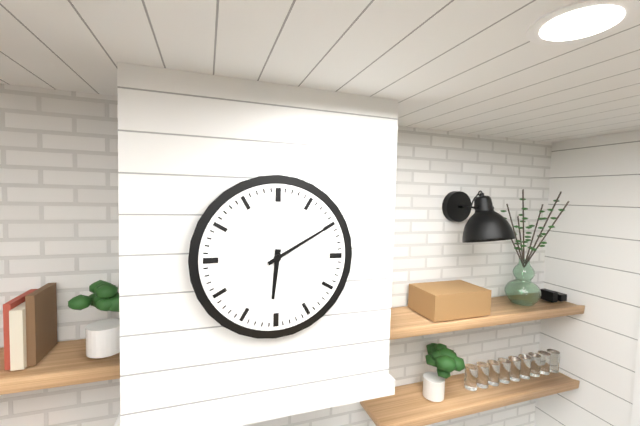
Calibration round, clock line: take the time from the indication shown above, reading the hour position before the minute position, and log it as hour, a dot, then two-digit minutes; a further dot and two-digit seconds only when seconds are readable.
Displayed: 6.10
